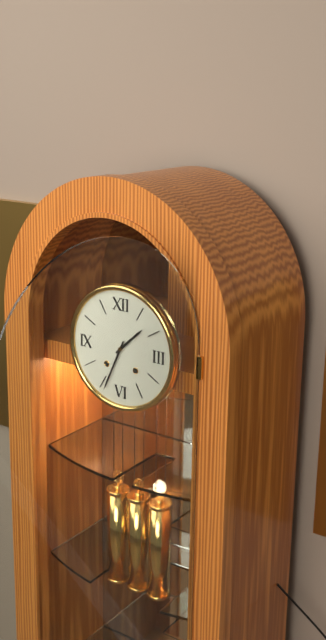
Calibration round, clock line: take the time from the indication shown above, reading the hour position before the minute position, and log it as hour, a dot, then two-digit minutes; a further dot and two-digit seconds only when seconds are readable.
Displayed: 1.34
